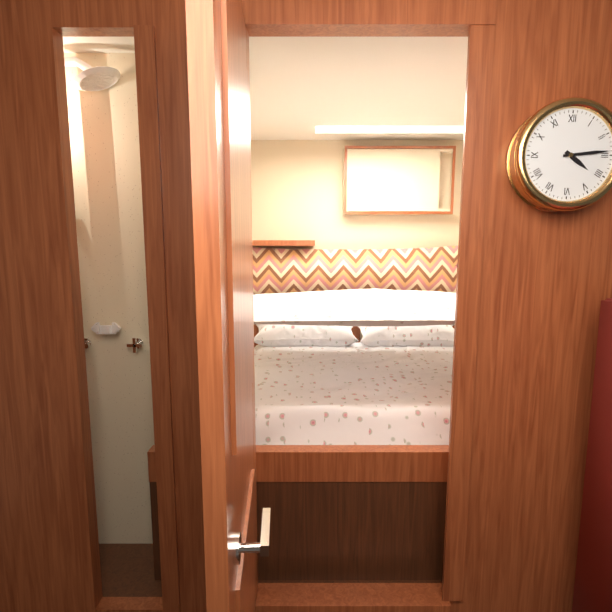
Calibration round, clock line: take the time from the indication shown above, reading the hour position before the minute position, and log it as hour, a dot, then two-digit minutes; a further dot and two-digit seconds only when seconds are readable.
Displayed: 4.14
